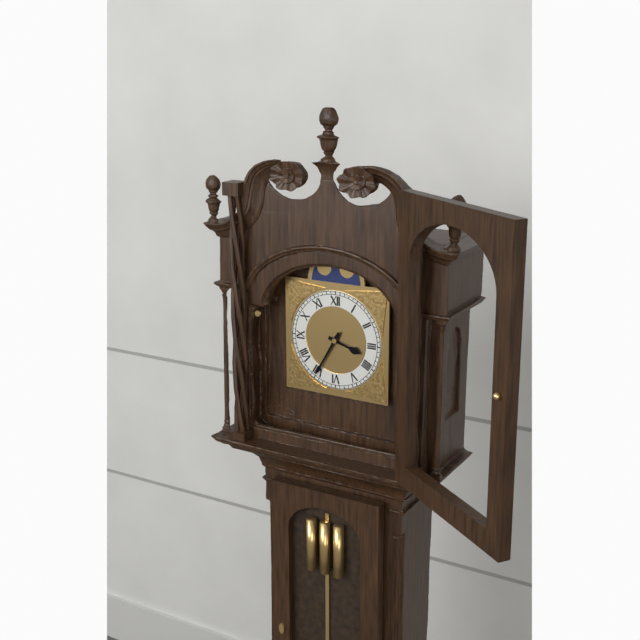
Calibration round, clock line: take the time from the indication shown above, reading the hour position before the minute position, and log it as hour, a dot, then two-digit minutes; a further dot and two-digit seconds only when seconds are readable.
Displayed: 3.35
